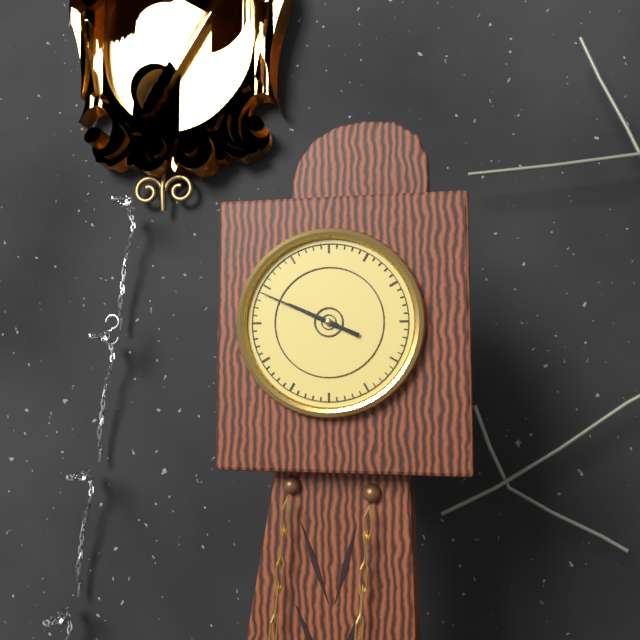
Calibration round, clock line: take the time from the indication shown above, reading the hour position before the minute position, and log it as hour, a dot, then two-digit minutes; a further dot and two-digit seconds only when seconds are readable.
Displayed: 9.49
